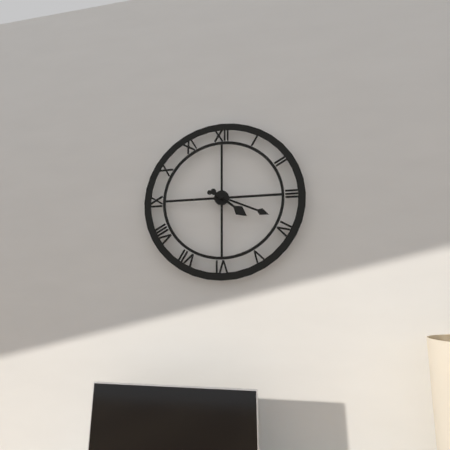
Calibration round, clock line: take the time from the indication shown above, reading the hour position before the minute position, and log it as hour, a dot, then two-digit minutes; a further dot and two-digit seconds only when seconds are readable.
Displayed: 4.19
